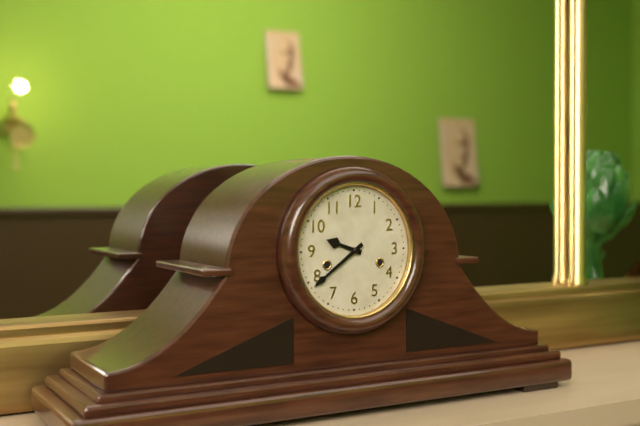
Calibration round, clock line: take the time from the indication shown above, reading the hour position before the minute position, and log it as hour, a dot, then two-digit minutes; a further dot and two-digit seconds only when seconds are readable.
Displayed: 9.39
